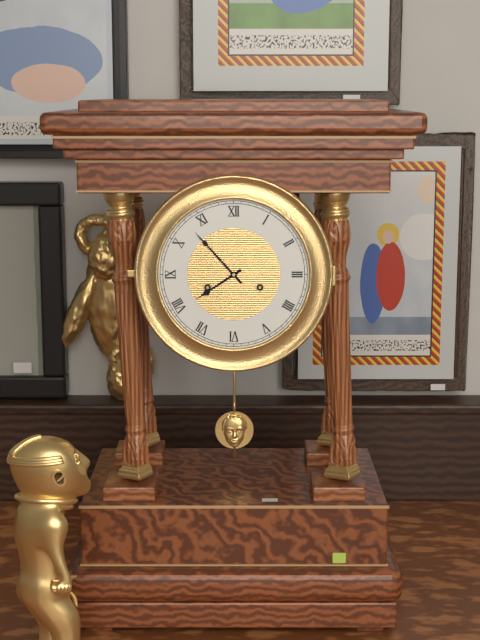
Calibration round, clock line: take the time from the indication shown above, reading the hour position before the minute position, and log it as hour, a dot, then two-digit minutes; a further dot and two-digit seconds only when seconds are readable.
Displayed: 7.53
